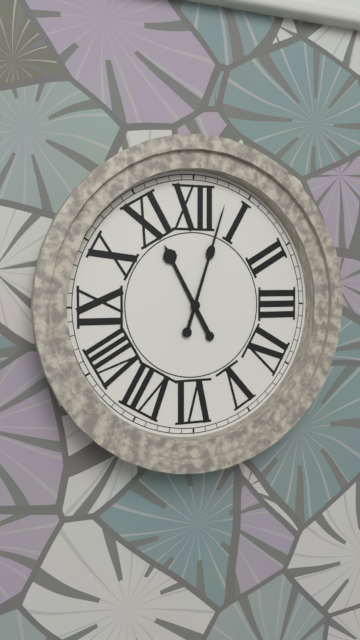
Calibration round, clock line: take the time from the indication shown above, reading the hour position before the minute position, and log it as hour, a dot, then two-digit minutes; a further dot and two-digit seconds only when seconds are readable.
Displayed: 11.03
